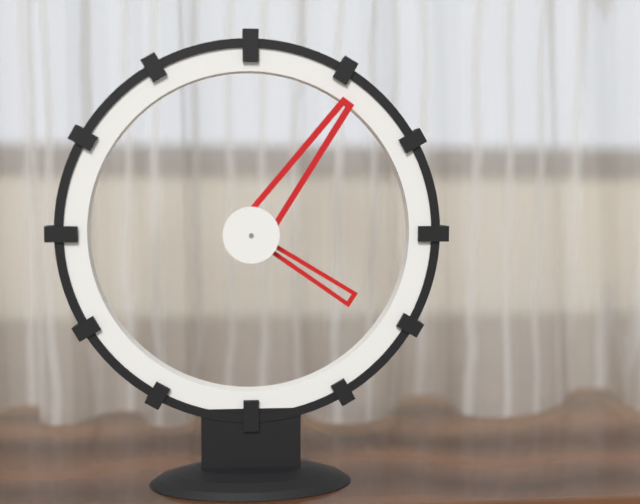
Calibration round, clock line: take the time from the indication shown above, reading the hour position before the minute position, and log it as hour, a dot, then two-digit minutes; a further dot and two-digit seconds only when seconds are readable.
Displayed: 4.06
